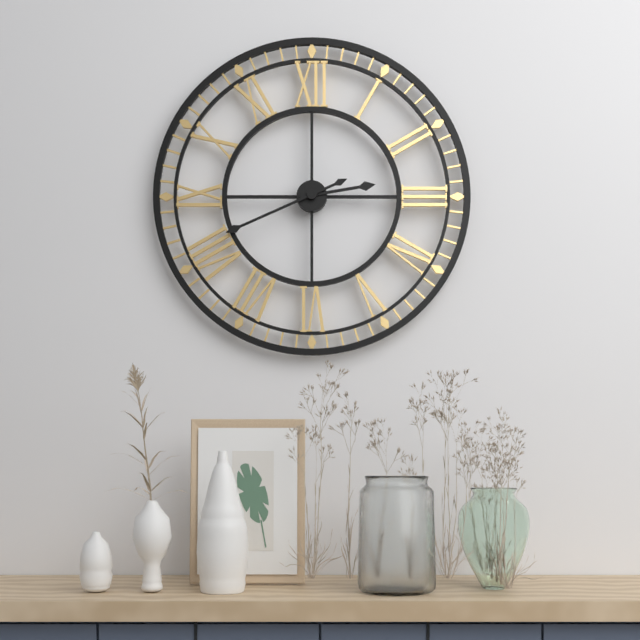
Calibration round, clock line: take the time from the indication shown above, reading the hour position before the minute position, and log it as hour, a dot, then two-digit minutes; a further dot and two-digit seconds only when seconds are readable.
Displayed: 2.41
